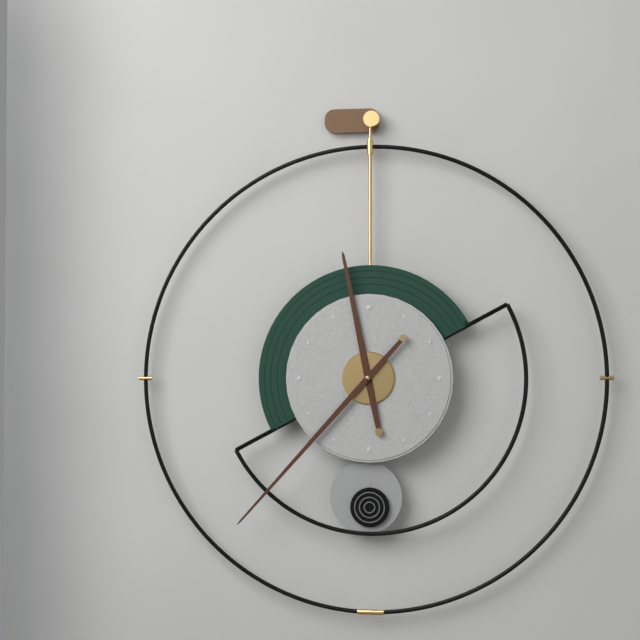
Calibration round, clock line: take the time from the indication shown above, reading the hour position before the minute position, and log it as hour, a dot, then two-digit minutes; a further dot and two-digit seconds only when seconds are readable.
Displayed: 11.37
